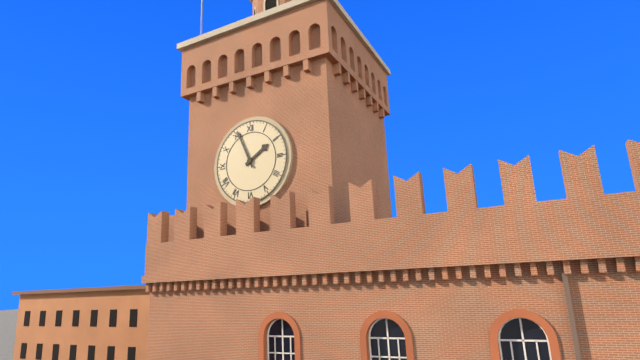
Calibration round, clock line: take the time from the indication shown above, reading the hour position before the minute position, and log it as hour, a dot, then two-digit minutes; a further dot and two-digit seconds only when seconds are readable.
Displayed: 1.56
